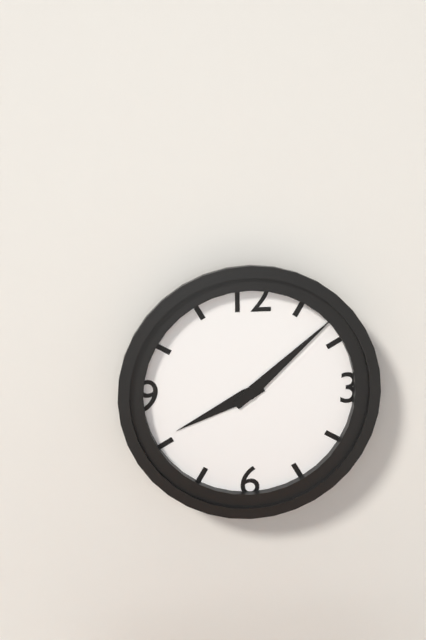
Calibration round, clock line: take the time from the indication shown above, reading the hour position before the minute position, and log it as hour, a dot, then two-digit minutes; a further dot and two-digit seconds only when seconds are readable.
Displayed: 8.08
